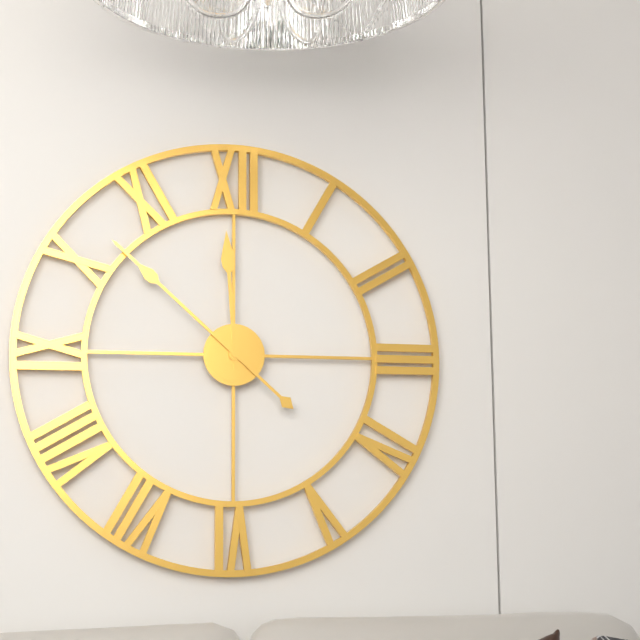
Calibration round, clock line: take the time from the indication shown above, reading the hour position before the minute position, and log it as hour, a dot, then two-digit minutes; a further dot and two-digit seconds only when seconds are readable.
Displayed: 11.52
